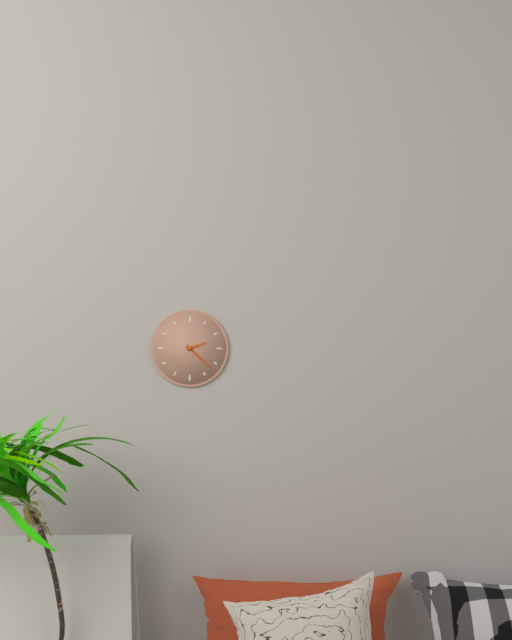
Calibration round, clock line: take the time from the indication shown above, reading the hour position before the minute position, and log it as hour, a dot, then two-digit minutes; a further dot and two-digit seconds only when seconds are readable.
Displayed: 2.22
